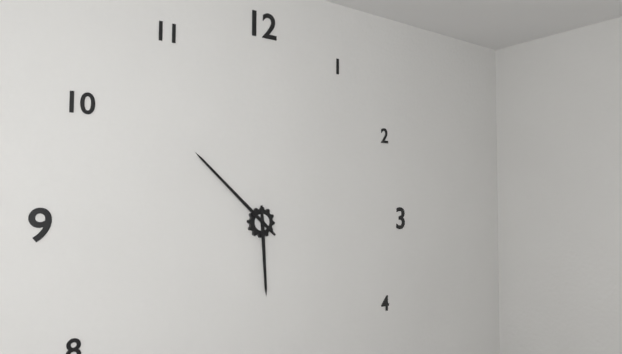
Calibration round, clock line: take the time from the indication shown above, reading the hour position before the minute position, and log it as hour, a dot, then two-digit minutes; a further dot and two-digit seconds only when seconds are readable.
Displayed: 5.52
